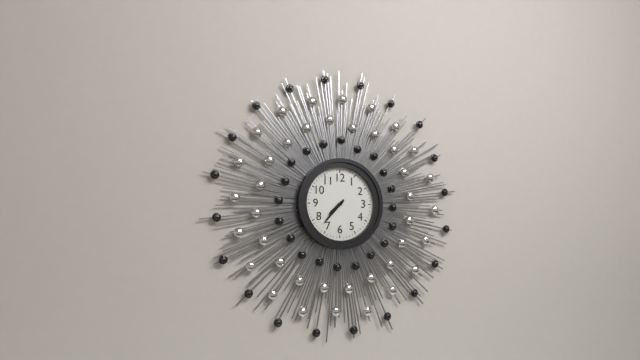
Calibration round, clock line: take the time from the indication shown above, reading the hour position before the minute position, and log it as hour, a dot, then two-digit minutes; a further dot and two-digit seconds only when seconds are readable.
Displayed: 7.37
